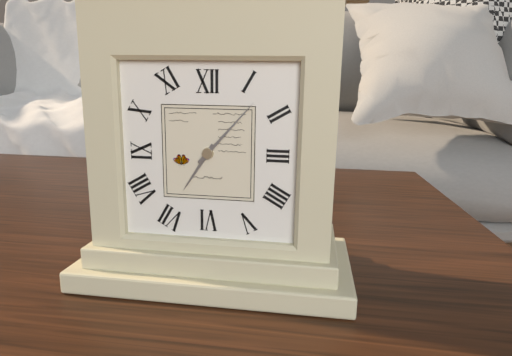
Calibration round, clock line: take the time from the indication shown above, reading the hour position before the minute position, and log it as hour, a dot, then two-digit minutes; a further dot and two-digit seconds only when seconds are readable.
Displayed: 7.07
